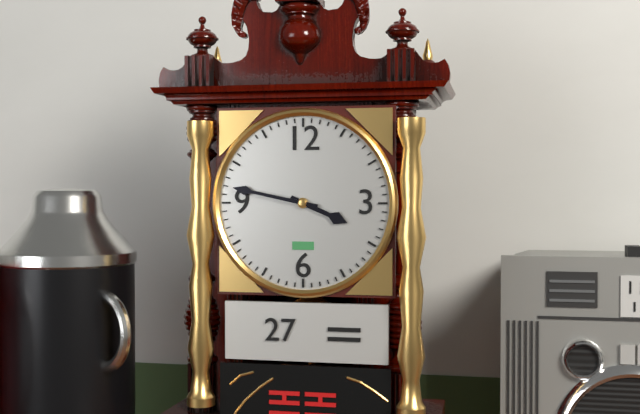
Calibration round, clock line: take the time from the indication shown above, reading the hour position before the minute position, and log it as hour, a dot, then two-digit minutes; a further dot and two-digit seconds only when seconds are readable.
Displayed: 3.47
